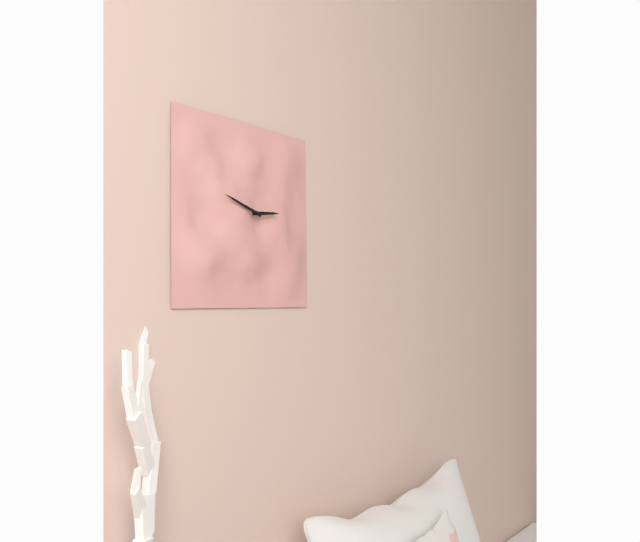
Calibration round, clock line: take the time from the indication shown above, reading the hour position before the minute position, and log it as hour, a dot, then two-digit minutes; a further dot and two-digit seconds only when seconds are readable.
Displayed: 2.48
